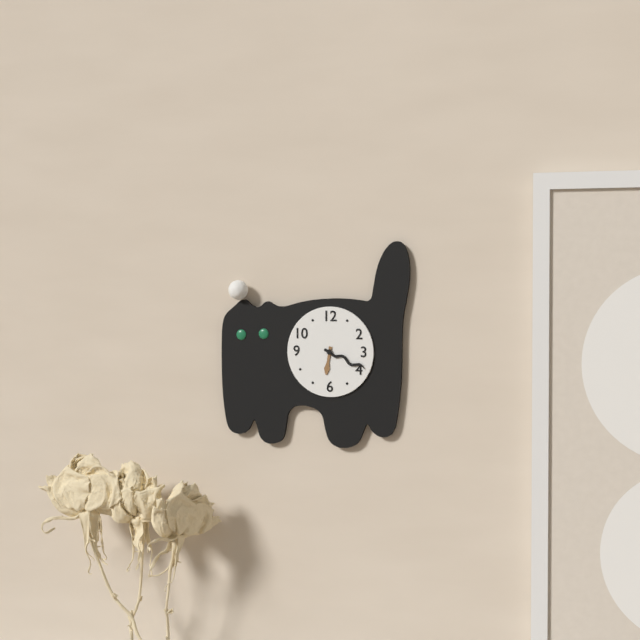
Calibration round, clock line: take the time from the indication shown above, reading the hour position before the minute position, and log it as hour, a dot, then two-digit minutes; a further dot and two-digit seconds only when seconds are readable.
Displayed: 6.19
